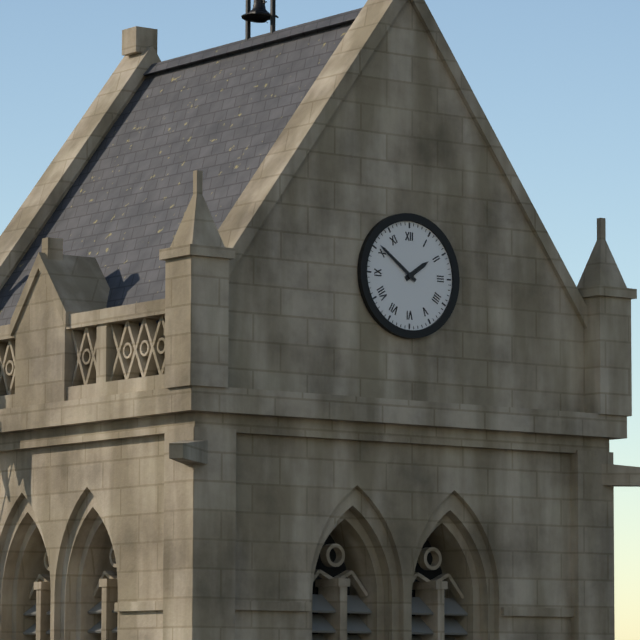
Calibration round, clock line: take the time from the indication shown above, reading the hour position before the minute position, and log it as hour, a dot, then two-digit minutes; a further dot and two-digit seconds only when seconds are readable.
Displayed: 1.51
